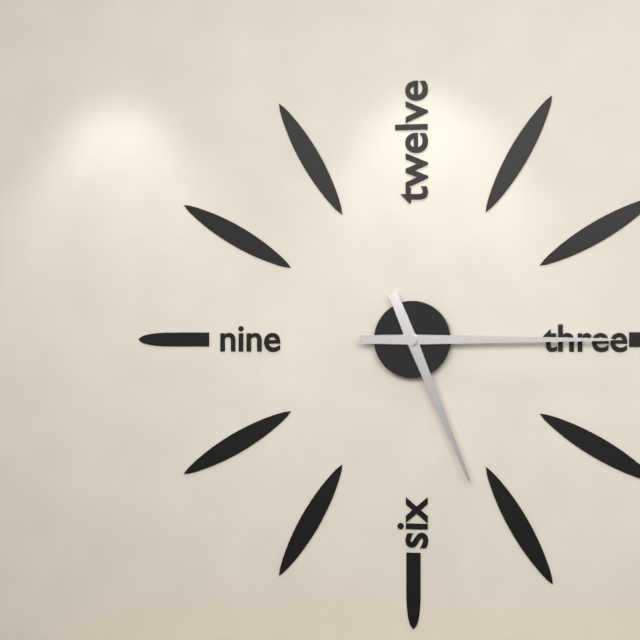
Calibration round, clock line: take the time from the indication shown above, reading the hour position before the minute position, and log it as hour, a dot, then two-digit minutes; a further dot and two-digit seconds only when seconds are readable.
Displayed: 5.15
